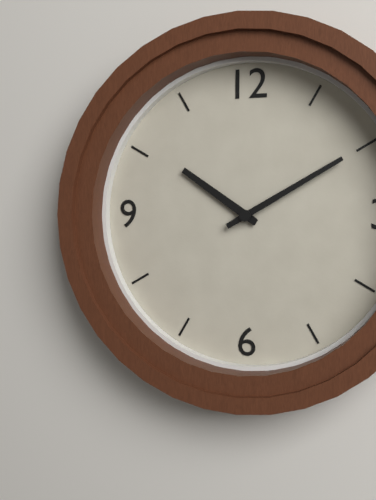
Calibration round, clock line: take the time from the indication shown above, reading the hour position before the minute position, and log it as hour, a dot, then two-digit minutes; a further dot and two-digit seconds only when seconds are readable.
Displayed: 10.10
